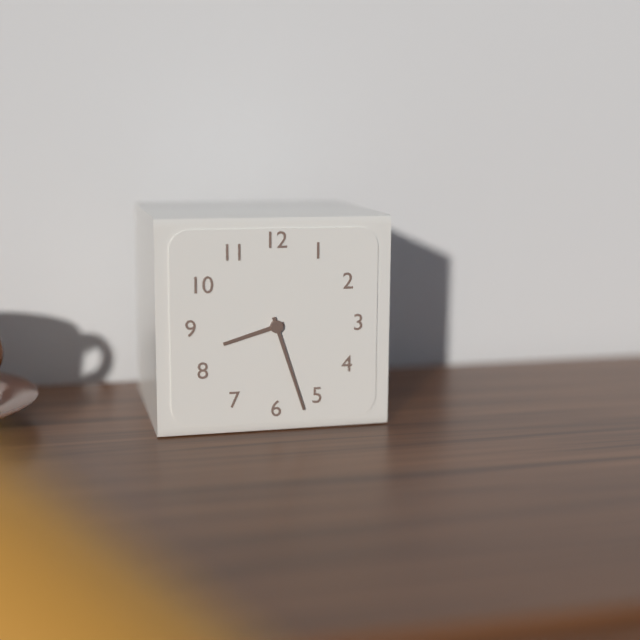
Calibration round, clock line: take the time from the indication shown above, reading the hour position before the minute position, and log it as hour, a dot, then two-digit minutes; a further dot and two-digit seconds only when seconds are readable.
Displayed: 8.27
